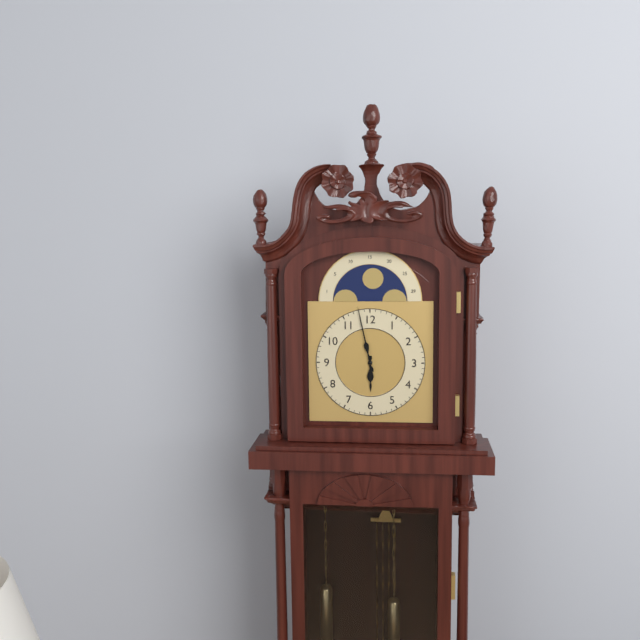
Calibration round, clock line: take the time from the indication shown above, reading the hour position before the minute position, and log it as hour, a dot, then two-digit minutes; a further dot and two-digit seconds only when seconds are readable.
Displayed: 5.58
